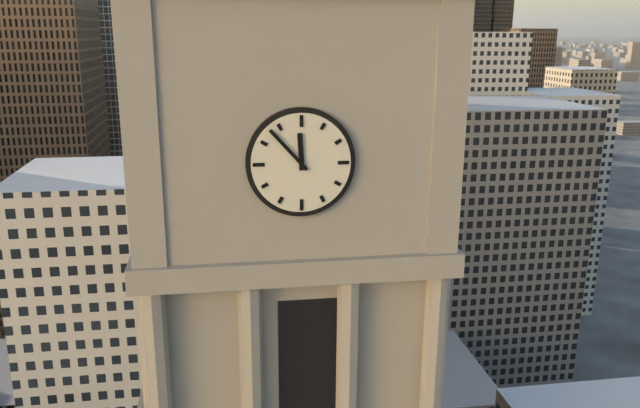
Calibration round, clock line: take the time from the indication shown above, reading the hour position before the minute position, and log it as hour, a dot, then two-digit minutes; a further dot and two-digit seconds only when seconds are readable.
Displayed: 11.53
